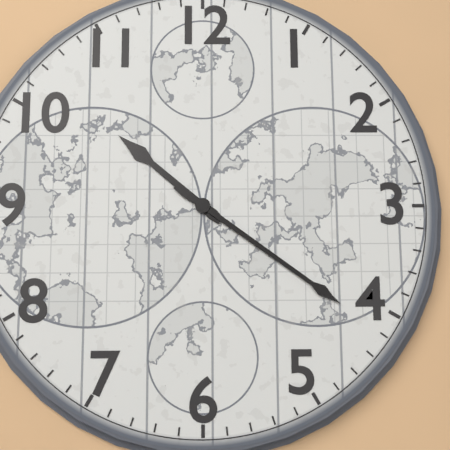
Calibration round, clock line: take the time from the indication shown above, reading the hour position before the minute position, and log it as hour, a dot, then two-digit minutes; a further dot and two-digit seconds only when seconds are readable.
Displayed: 10.21
